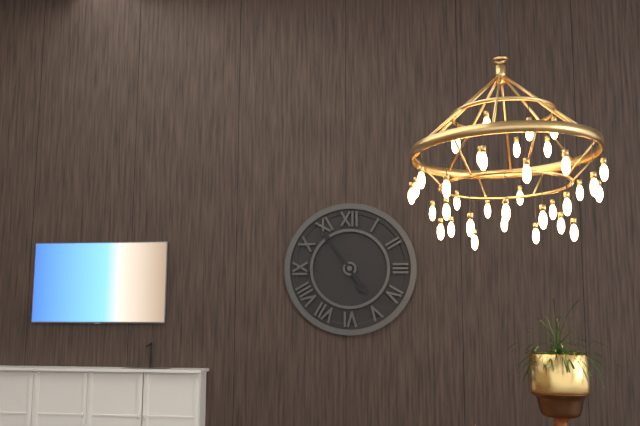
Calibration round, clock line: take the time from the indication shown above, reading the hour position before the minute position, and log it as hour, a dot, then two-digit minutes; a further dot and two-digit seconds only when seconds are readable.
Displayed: 4.54
